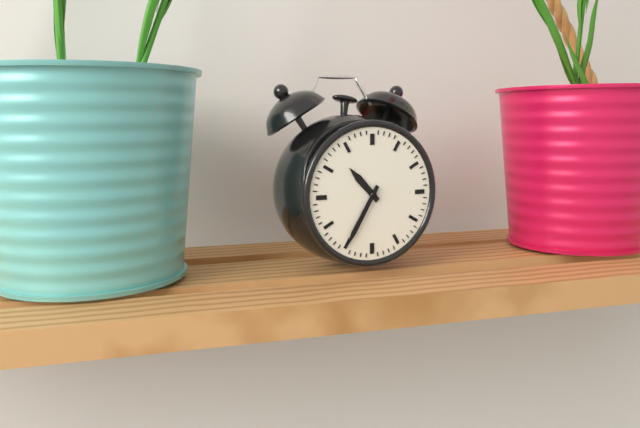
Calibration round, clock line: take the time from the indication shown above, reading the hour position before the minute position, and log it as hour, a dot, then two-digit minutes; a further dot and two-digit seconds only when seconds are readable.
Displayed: 10.35
